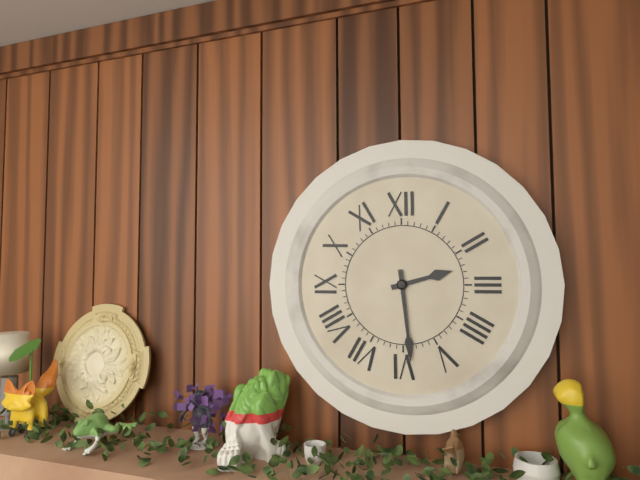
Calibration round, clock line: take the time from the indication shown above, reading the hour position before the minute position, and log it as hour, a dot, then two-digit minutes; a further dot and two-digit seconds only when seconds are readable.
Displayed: 2.29
